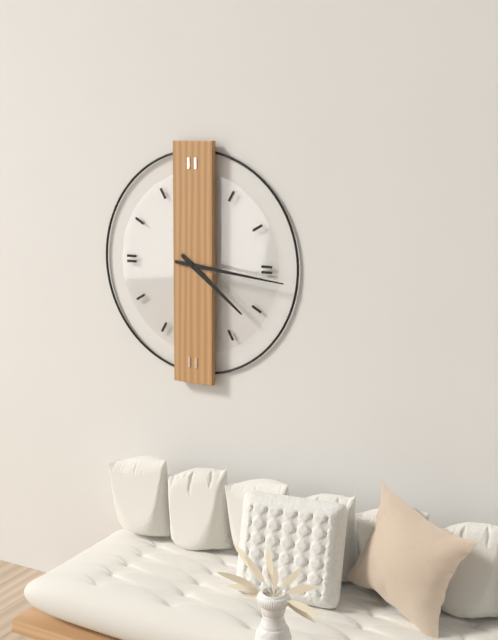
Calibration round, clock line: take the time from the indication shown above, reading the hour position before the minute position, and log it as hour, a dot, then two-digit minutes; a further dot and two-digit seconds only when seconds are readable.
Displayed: 4.16
